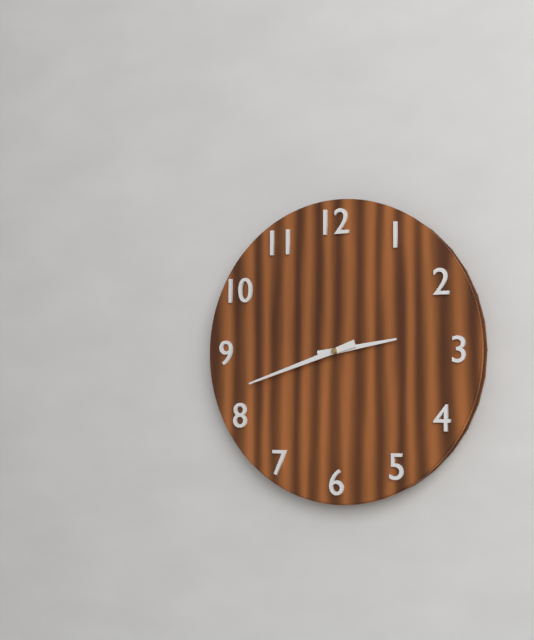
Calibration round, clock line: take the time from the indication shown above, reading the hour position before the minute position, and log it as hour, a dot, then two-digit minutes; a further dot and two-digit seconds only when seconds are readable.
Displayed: 2.42
